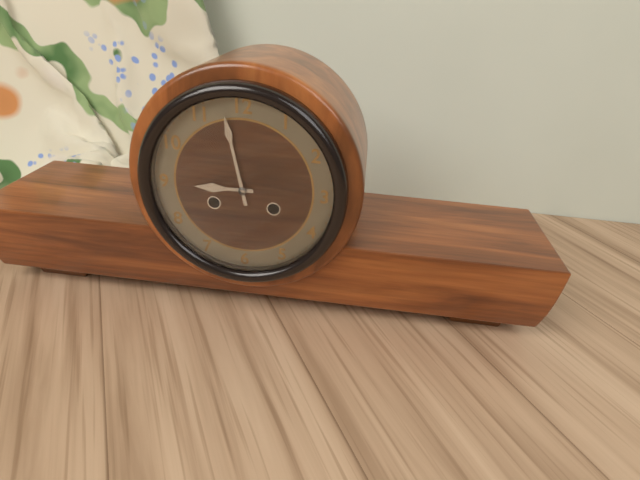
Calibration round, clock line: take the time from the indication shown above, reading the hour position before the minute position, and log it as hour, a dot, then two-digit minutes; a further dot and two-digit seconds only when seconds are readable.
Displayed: 8.58
